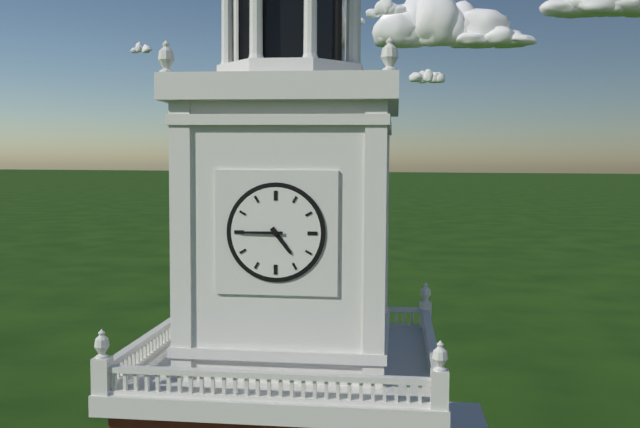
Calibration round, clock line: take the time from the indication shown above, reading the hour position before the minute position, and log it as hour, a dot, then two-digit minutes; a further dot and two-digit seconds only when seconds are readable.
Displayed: 4.45
